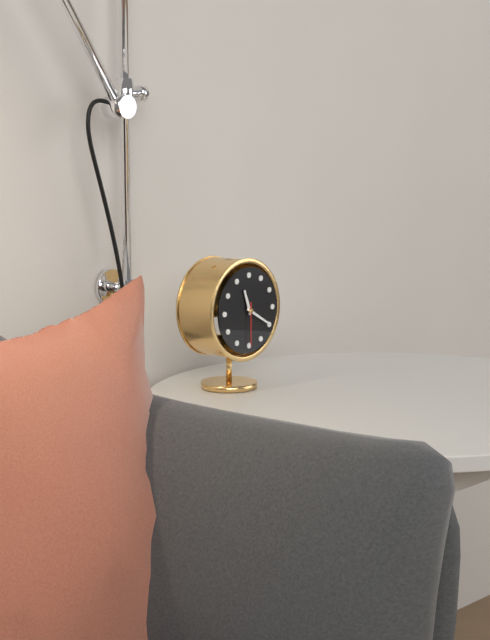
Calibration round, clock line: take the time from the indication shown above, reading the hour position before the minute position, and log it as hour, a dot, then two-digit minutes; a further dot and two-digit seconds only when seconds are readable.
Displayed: 11.20
